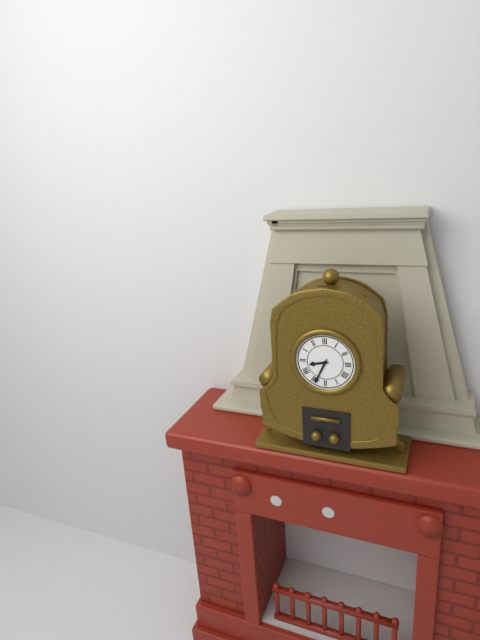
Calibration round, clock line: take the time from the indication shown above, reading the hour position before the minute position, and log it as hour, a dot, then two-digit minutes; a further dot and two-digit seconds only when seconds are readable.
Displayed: 8.34
